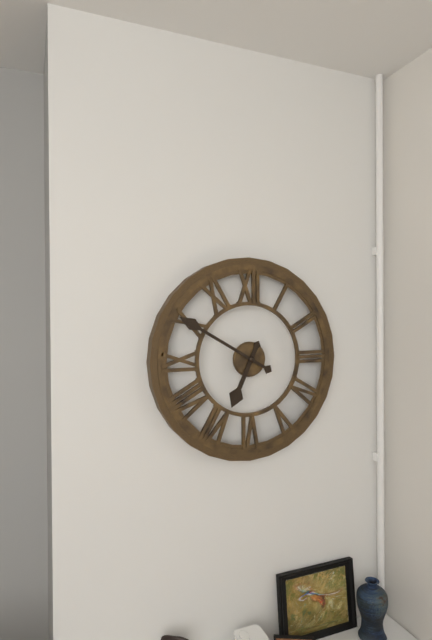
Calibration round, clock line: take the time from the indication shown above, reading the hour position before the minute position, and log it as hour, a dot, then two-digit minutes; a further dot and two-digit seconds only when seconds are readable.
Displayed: 6.50
